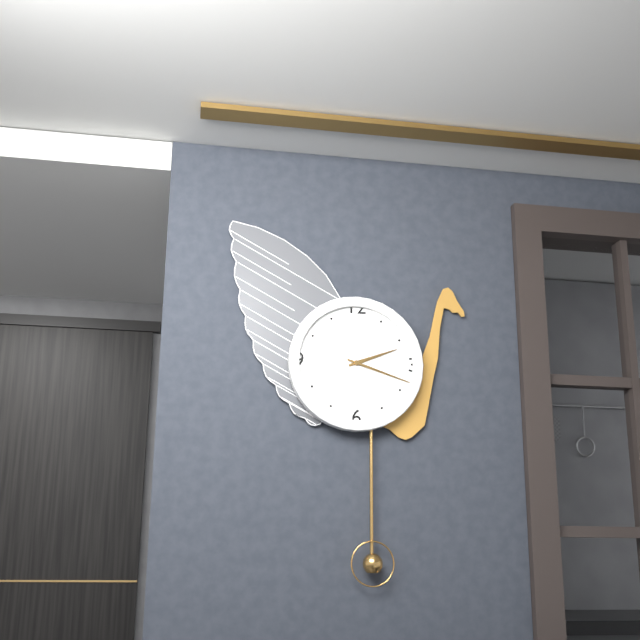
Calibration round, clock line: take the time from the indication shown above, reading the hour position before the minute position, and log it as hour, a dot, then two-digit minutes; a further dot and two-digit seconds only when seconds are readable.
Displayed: 2.18
